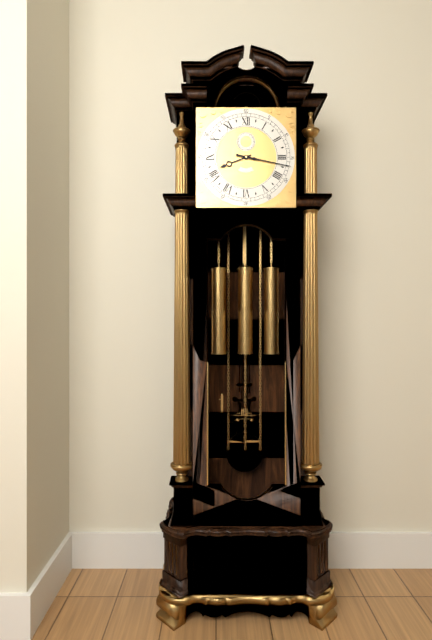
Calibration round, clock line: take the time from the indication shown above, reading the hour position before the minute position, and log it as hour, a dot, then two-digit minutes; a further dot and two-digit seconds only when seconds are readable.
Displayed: 8.17
